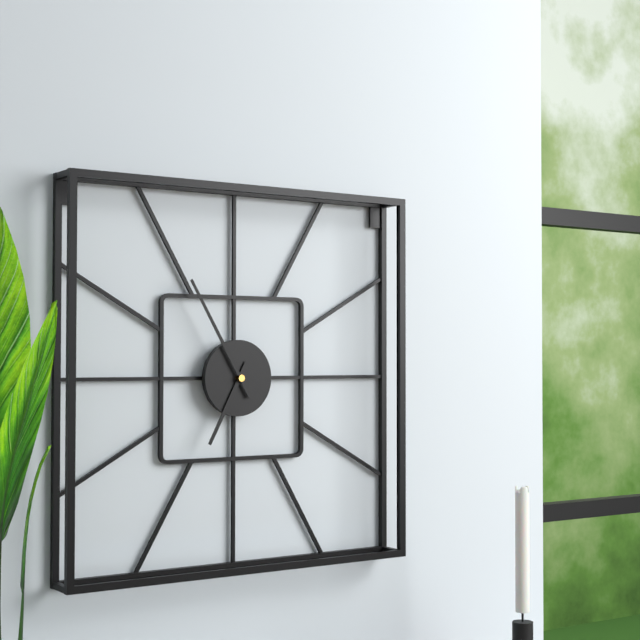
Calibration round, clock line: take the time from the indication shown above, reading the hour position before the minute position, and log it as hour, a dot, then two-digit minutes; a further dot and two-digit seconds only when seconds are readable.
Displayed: 6.55
